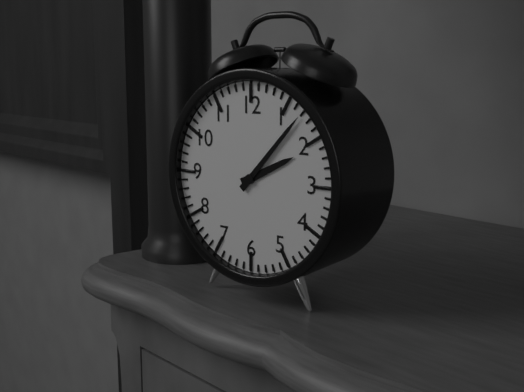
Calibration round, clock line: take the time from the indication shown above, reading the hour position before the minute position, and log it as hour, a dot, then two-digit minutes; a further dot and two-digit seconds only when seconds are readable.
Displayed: 2.07
